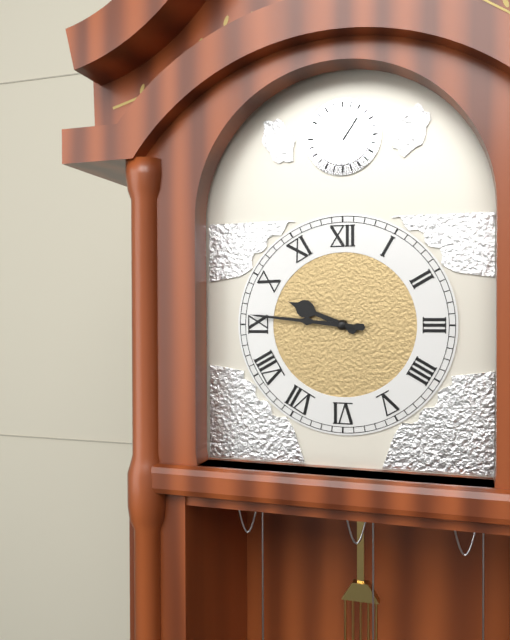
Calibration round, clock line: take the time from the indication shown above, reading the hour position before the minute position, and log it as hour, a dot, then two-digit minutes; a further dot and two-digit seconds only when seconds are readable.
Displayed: 9.46
